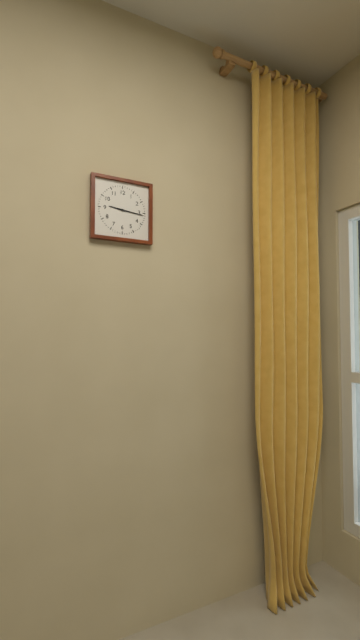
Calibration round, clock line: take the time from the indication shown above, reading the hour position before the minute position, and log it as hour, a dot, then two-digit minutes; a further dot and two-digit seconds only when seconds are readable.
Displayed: 9.16
